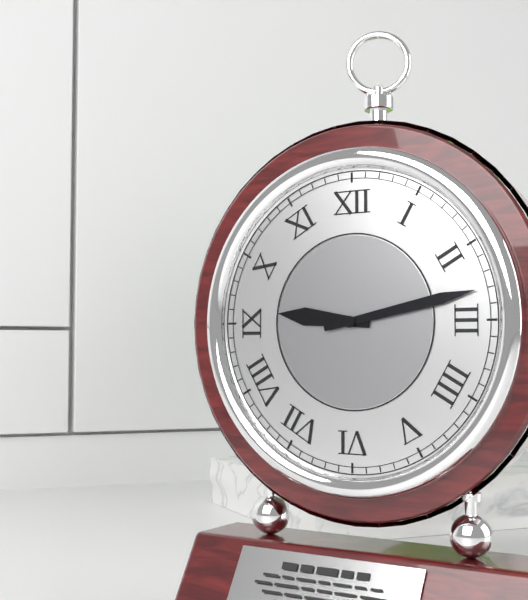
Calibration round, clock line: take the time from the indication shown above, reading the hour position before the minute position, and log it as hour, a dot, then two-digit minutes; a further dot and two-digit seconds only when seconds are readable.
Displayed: 9.13
